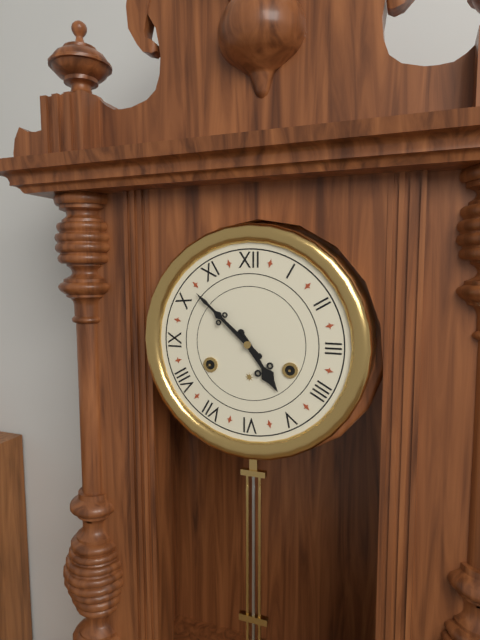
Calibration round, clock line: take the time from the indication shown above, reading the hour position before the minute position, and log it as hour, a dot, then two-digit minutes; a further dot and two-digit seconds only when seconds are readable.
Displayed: 4.52
